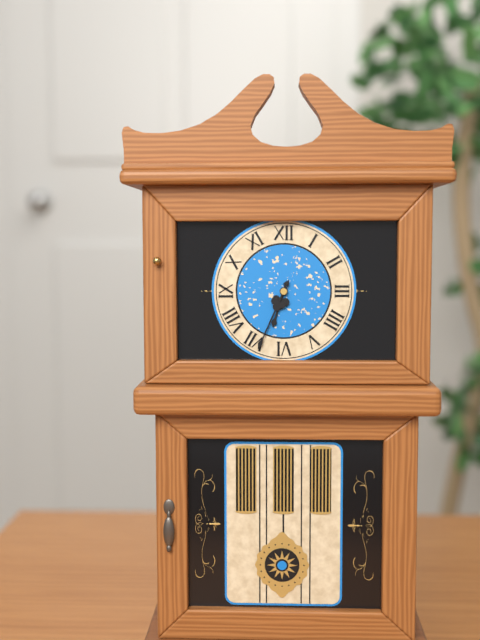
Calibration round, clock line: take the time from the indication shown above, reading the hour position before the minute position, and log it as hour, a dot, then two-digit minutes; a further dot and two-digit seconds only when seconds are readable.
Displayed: 6.34
